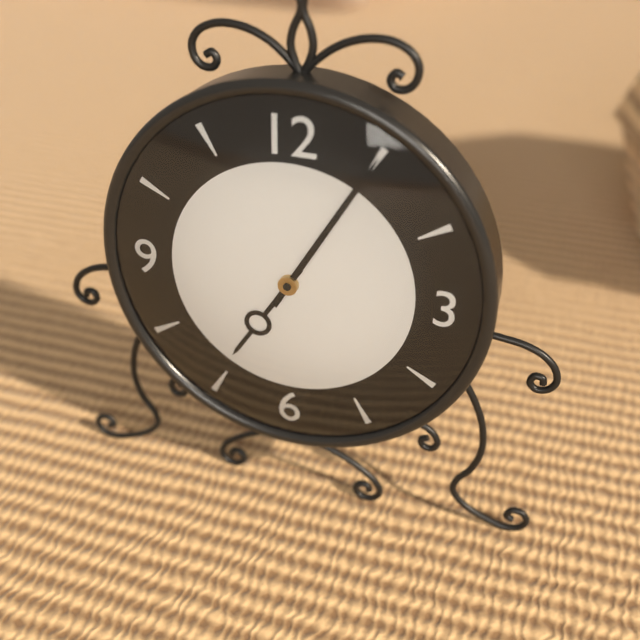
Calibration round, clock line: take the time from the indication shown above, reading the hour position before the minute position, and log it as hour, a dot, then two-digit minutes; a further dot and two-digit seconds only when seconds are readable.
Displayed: 7.05
